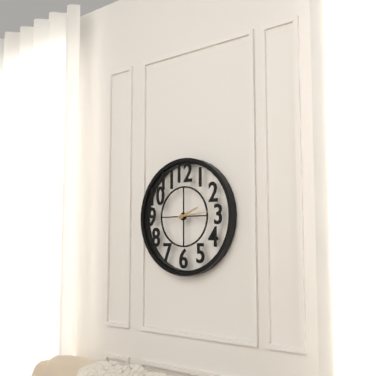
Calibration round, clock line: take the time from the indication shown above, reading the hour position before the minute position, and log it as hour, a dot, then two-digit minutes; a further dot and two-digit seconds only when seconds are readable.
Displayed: 2.14
